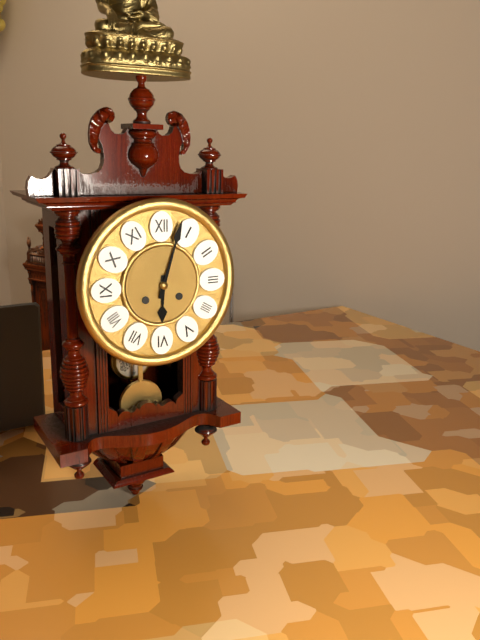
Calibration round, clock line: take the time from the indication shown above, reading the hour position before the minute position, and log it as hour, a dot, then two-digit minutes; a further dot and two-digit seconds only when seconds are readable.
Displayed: 6.03
